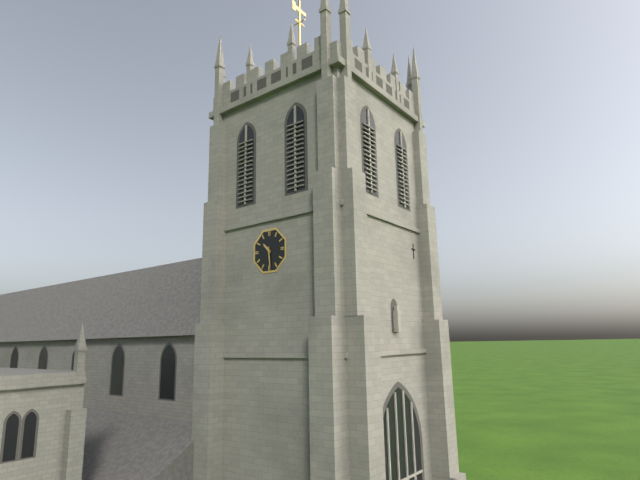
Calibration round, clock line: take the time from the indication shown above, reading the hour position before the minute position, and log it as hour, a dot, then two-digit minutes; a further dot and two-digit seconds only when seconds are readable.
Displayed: 10.29
